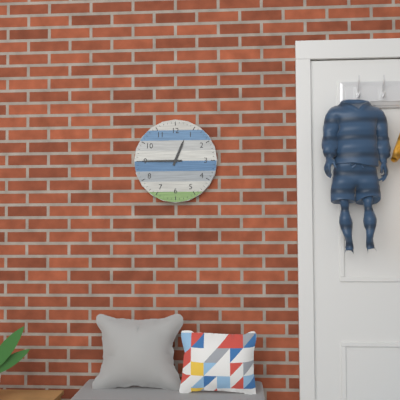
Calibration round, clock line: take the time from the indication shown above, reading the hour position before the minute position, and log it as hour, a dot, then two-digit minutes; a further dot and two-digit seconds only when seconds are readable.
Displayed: 12.45
